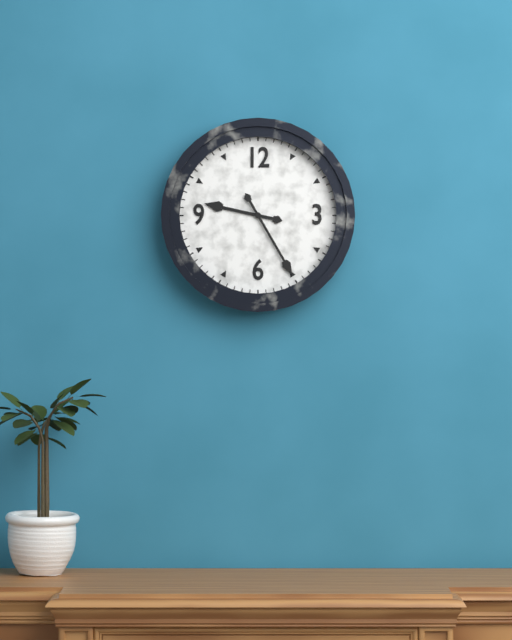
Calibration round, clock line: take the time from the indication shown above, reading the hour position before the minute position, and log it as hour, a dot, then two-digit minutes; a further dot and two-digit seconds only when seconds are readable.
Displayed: 9.25
